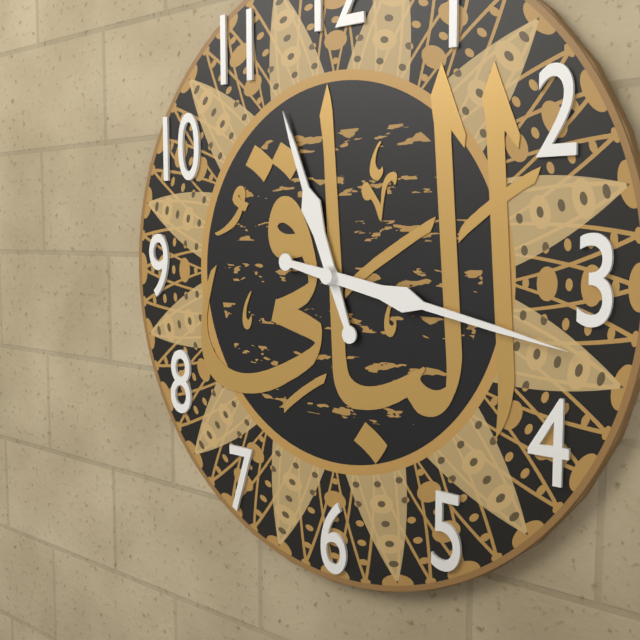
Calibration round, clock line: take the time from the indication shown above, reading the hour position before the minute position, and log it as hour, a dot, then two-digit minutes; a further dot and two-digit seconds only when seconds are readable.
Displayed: 11.17
